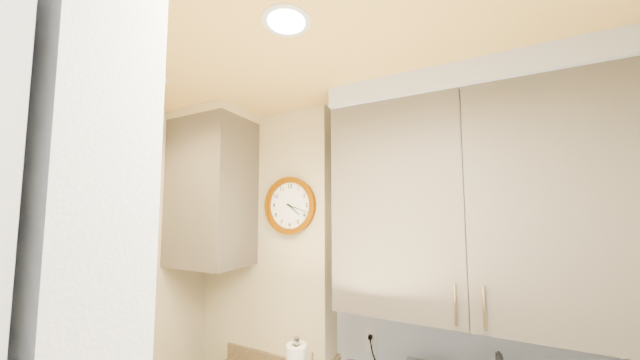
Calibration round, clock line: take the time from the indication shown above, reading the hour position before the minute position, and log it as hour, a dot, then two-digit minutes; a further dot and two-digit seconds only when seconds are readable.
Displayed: 4.18
